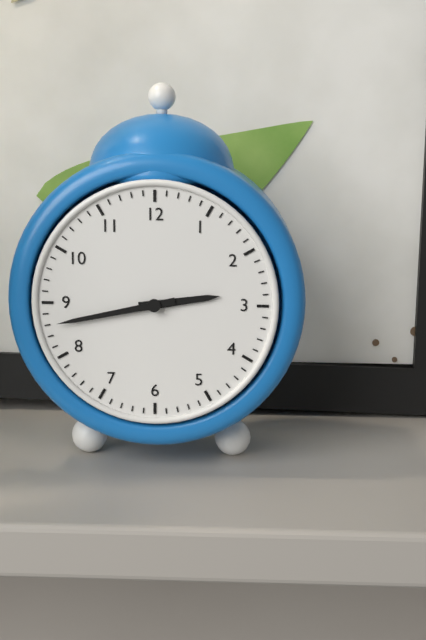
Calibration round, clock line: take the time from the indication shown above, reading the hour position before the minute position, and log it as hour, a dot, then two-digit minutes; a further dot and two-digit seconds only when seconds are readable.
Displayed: 2.43
